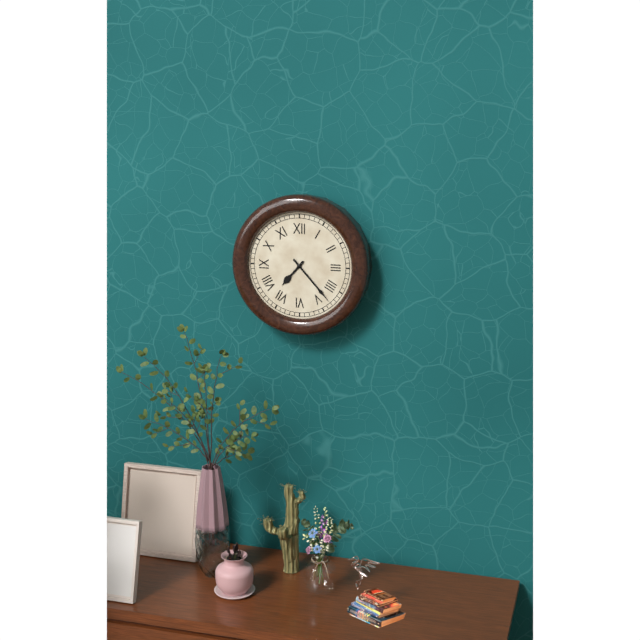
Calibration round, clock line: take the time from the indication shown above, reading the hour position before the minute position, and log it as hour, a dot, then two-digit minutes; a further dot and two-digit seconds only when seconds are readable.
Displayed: 7.23
